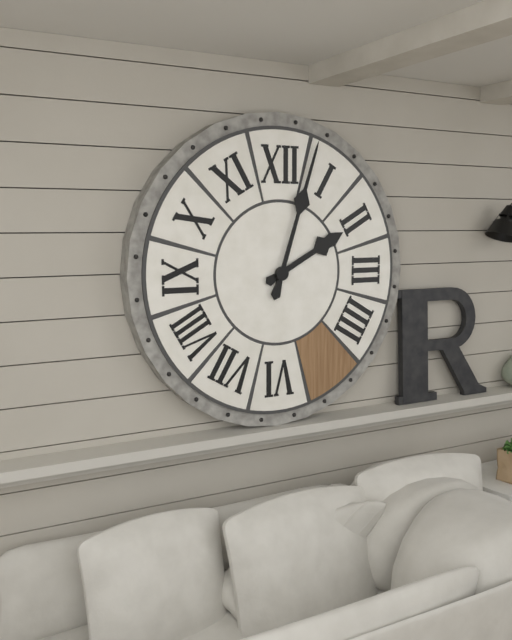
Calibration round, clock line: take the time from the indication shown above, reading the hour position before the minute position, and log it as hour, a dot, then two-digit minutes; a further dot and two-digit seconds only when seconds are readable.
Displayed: 2.03
